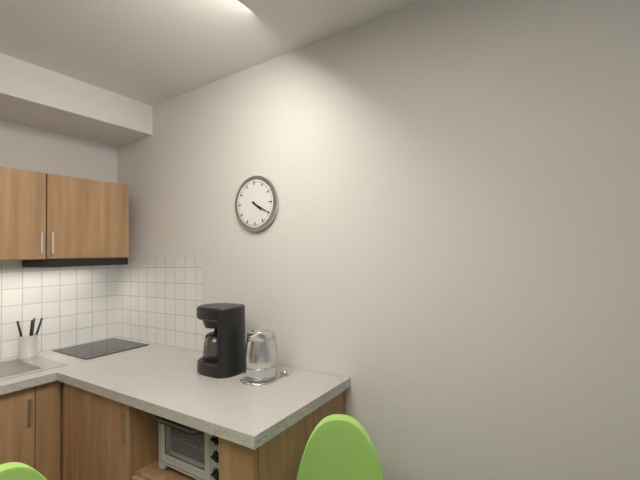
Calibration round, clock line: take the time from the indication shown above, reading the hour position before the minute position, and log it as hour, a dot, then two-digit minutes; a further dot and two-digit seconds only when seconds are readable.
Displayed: 4.20
